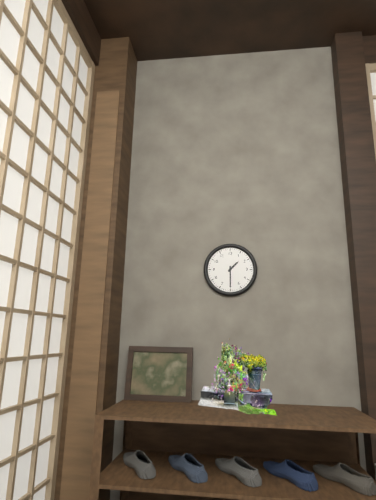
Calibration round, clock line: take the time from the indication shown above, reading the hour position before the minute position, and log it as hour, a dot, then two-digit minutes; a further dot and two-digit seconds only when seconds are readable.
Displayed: 1.30
